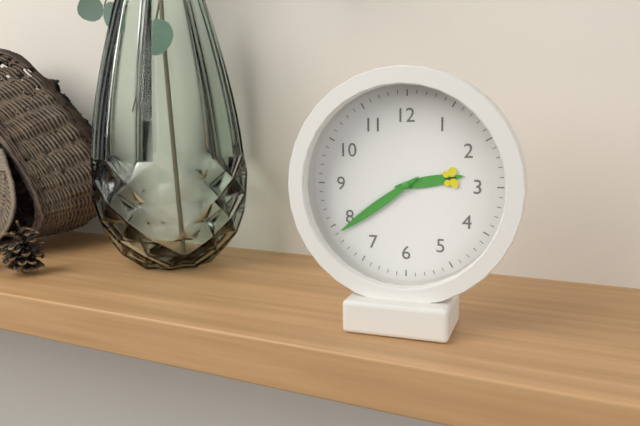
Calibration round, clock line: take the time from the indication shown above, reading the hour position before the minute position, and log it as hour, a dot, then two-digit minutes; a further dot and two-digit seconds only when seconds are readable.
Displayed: 2.39
